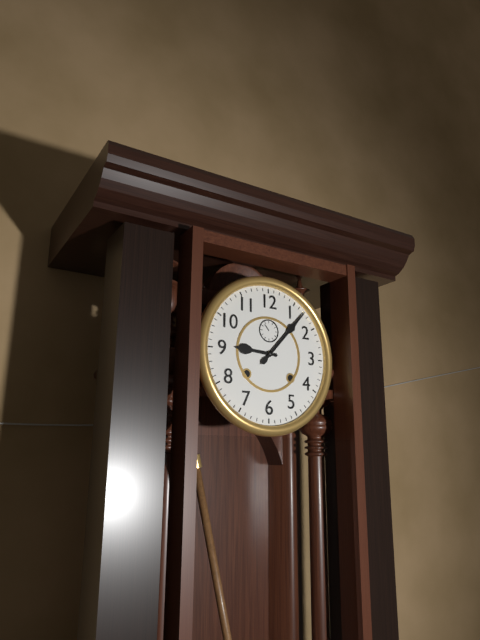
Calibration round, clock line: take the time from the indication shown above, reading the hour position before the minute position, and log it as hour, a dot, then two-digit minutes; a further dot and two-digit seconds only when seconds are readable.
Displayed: 9.07
